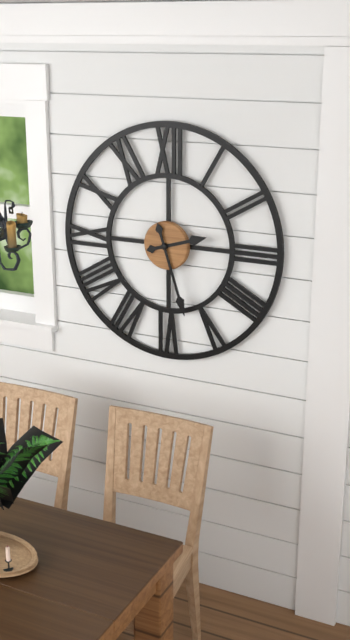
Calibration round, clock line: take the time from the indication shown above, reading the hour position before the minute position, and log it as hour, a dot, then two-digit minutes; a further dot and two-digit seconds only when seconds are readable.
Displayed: 2.27
